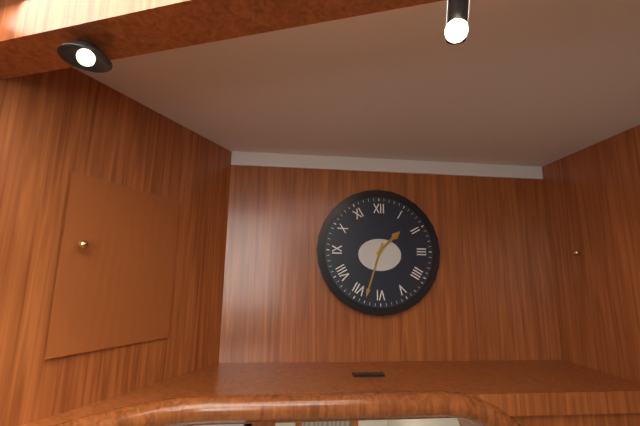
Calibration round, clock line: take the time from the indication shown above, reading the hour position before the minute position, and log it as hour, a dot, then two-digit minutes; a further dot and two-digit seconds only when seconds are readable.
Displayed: 1.33
